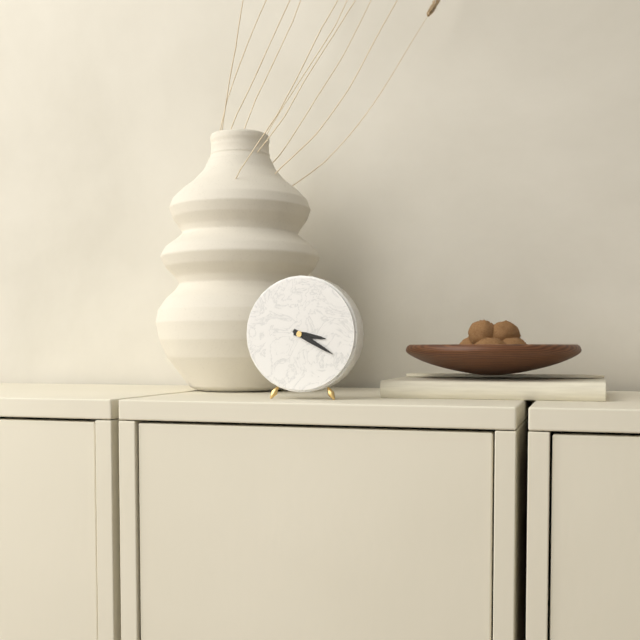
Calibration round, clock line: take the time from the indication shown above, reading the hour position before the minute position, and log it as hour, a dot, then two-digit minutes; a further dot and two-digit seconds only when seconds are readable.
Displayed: 3.20
